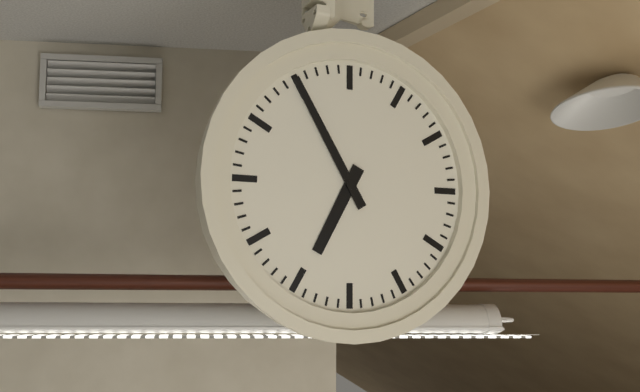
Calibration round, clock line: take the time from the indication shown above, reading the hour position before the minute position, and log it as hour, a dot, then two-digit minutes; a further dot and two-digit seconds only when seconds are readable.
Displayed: 6.55
